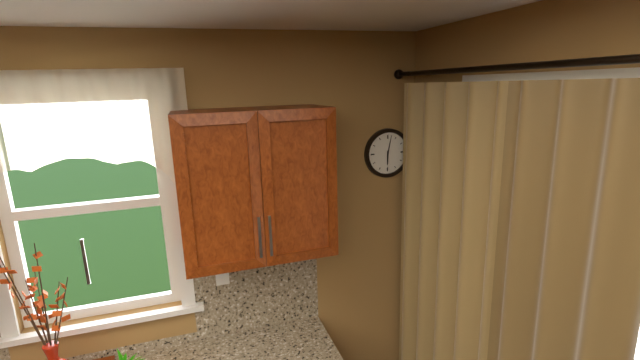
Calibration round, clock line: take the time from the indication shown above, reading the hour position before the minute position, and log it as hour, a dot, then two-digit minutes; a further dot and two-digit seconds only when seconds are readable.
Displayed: 6.02
